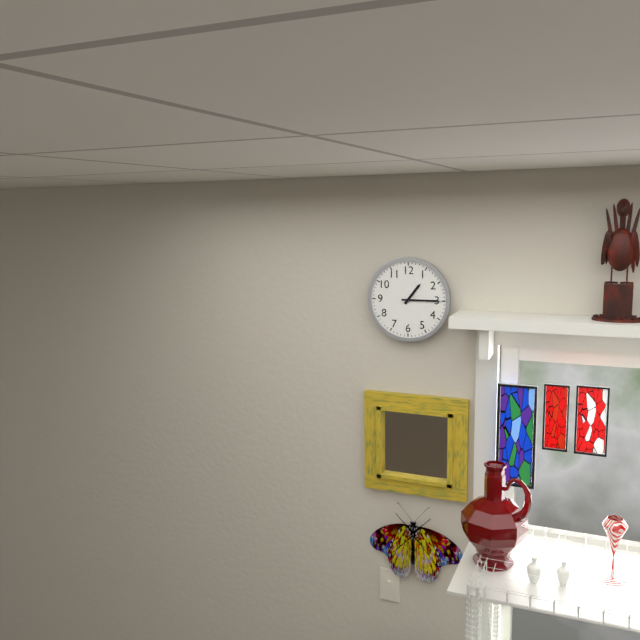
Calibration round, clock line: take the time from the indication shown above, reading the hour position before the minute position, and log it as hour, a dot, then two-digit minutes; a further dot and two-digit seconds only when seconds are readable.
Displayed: 1.15
